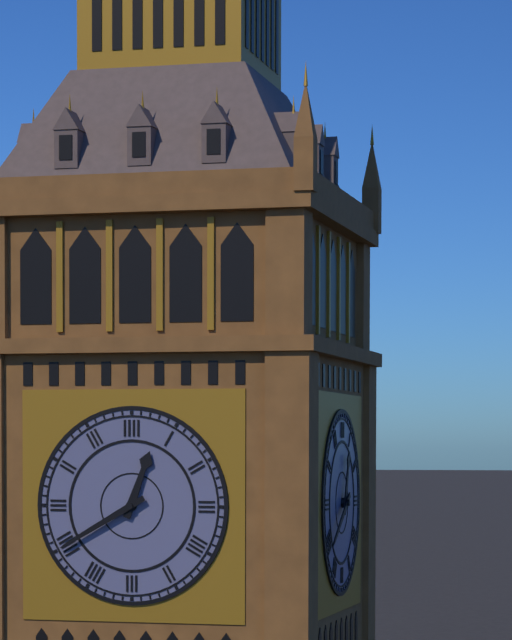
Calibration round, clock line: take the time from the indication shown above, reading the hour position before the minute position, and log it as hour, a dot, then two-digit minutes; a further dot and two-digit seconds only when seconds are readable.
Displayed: 12.40
